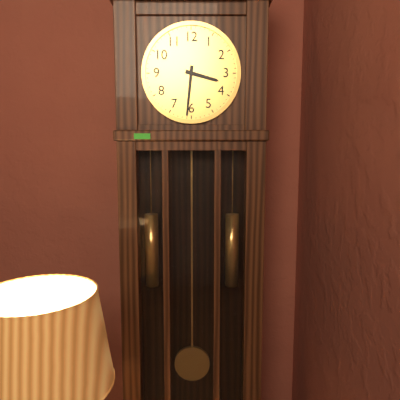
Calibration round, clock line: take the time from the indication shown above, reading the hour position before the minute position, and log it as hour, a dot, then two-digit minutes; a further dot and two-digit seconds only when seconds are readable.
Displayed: 3.31
